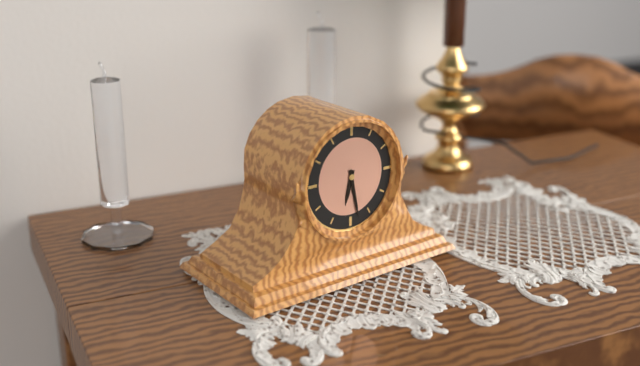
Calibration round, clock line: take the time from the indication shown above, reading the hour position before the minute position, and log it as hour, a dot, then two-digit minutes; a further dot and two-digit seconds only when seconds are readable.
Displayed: 6.28
